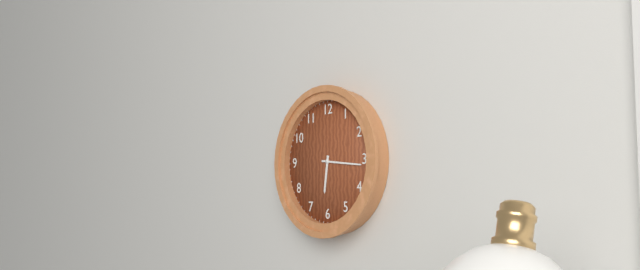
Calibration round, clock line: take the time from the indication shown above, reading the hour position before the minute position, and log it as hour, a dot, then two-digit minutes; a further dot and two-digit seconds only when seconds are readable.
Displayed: 6.16
